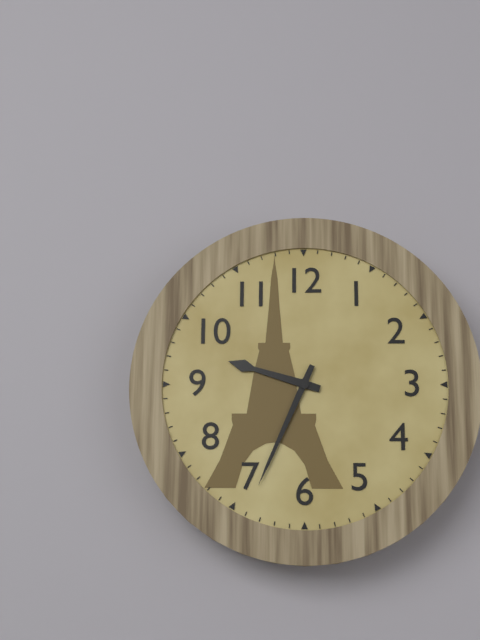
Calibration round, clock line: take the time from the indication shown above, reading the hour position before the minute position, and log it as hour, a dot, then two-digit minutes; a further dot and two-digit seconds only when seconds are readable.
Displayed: 9.34
